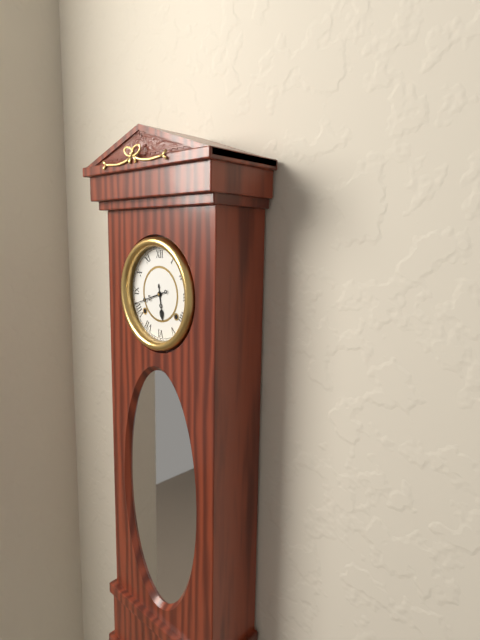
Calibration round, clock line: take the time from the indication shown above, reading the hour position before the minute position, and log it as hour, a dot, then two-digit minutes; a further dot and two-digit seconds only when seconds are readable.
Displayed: 5.42
